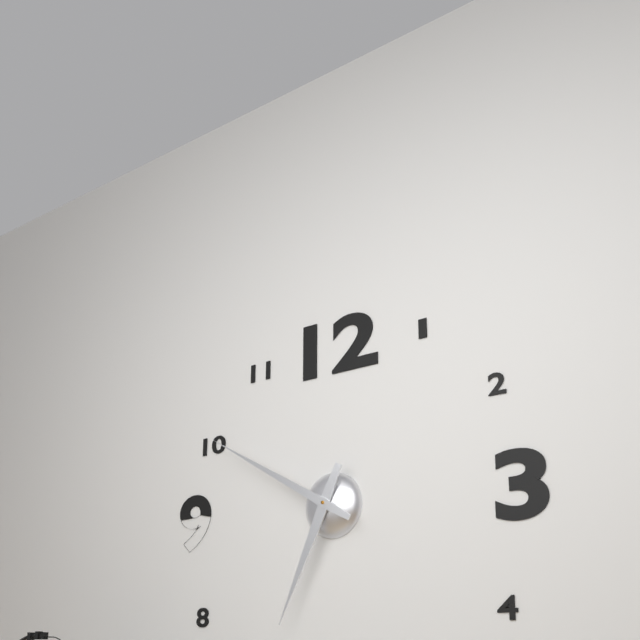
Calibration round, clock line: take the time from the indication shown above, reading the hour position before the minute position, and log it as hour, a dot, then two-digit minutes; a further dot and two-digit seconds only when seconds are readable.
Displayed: 6.50
